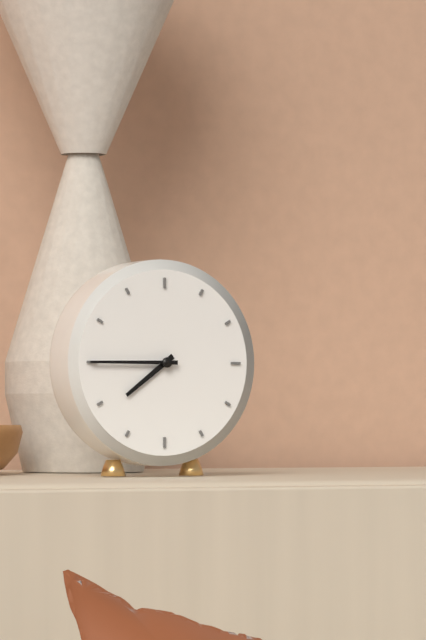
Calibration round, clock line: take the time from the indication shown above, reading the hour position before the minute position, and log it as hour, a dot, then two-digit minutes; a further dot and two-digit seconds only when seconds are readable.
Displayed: 7.45
